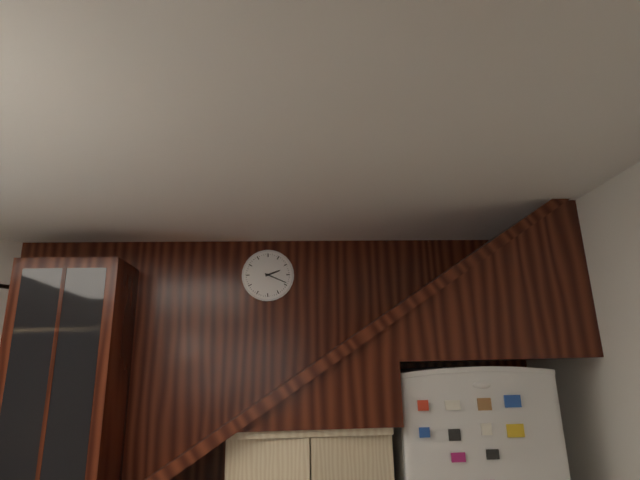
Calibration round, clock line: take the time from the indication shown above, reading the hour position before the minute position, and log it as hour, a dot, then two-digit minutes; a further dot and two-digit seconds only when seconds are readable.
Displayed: 2.19
